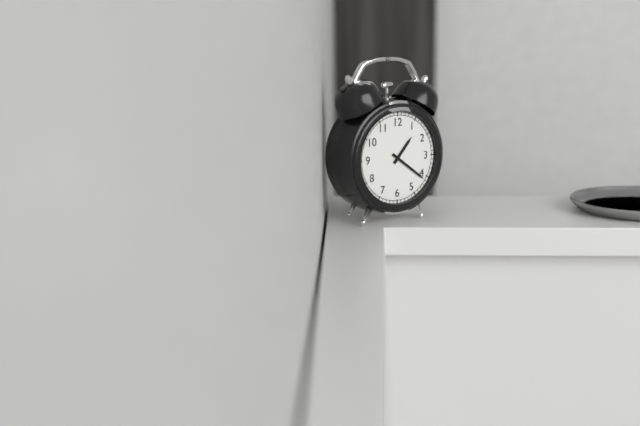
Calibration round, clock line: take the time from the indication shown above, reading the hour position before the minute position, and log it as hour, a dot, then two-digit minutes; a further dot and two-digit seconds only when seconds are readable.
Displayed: 1.21
